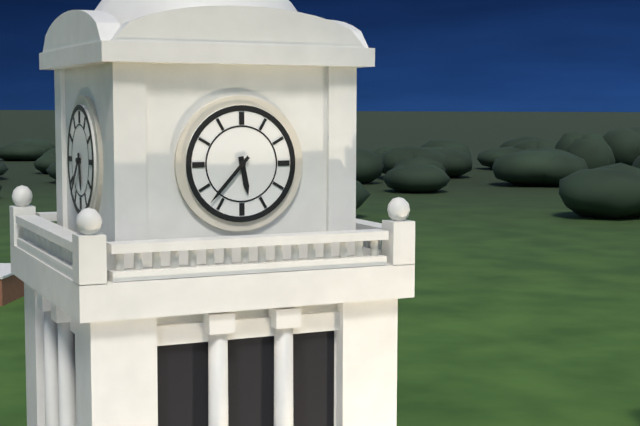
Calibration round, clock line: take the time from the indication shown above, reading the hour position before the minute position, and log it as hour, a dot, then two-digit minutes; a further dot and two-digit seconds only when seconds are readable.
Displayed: 5.37
